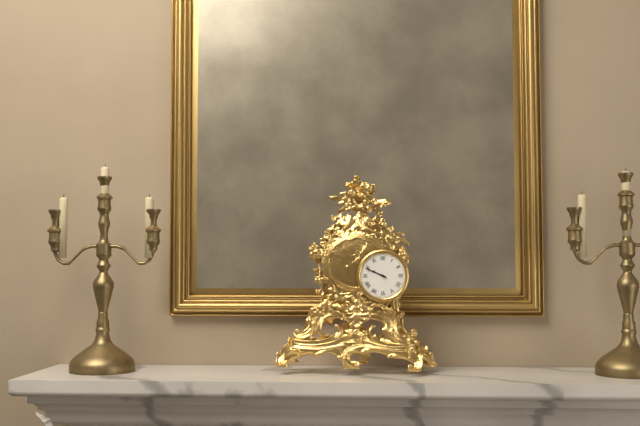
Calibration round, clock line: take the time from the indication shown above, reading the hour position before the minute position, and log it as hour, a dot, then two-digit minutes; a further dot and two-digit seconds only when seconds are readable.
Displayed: 9.49
